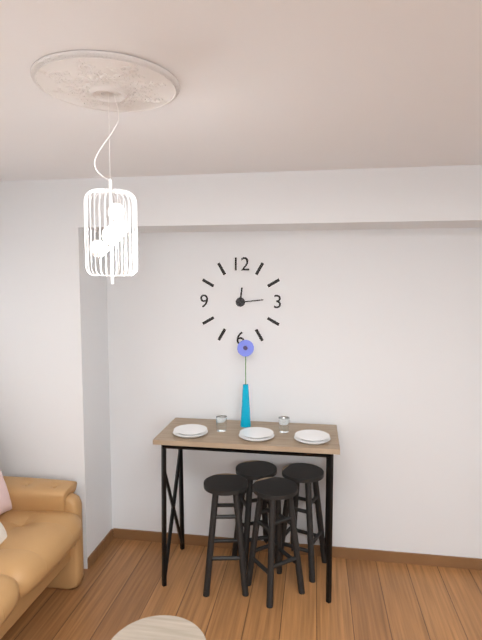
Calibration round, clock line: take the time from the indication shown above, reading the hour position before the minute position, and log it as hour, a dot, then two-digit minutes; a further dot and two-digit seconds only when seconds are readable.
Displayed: 12.14
